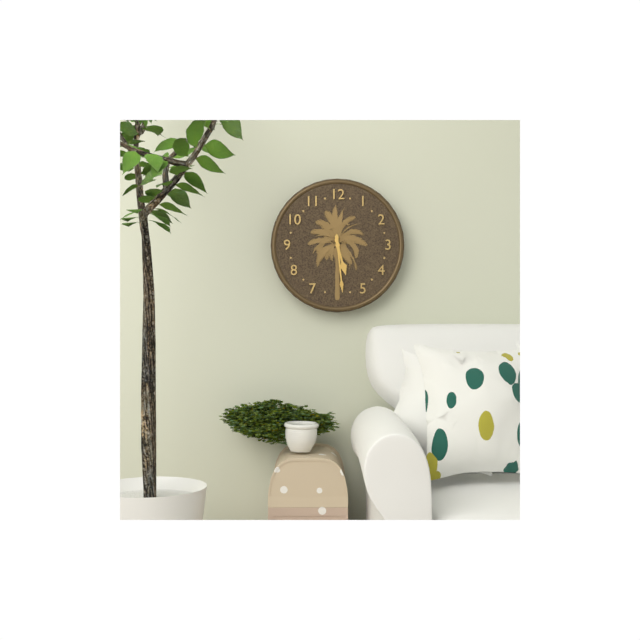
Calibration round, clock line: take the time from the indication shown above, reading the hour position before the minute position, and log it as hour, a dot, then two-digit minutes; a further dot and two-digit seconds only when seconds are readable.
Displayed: 5.29
